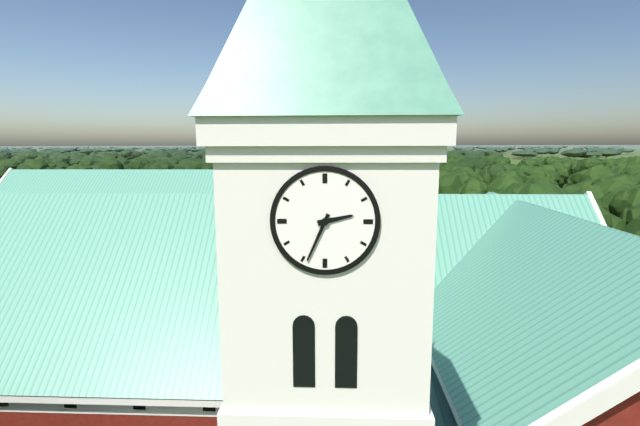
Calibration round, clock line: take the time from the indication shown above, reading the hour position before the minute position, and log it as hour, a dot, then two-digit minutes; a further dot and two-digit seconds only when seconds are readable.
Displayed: 2.34
